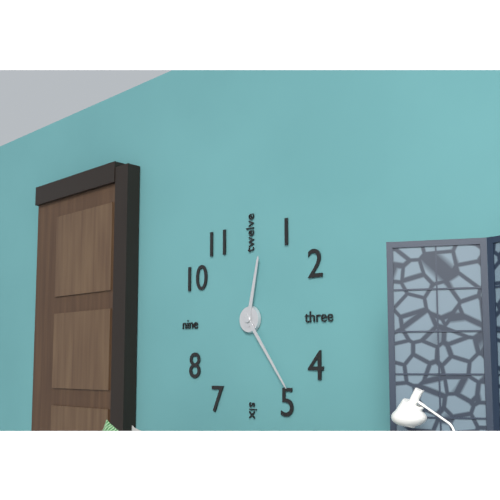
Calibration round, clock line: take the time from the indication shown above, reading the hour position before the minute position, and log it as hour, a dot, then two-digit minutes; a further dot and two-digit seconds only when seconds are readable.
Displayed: 12.24
